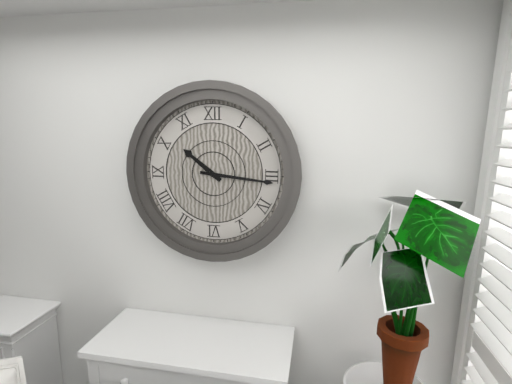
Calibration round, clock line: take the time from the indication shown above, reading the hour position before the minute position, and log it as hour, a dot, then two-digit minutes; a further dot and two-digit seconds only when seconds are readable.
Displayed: 10.16
